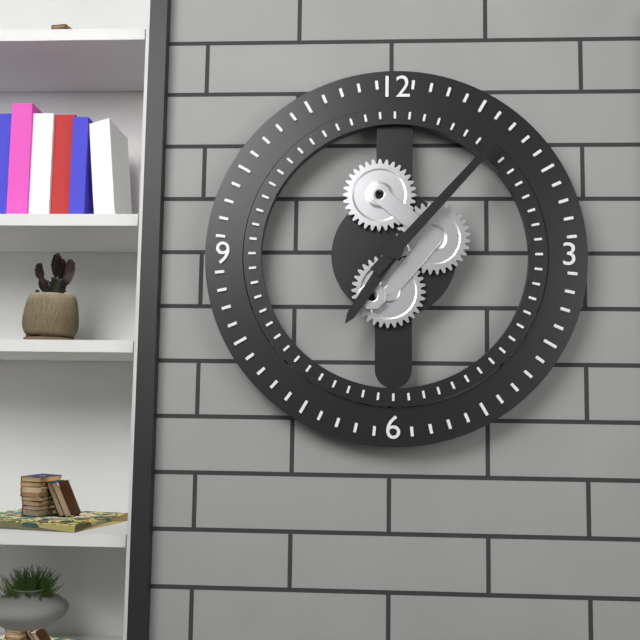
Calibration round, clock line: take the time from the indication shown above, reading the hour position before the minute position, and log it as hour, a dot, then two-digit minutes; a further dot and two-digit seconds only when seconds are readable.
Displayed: 7.07
